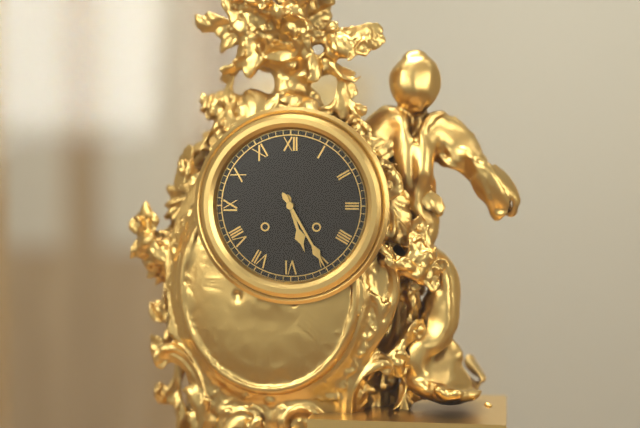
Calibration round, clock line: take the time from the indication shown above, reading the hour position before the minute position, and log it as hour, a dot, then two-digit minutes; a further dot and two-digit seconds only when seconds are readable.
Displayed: 5.25
